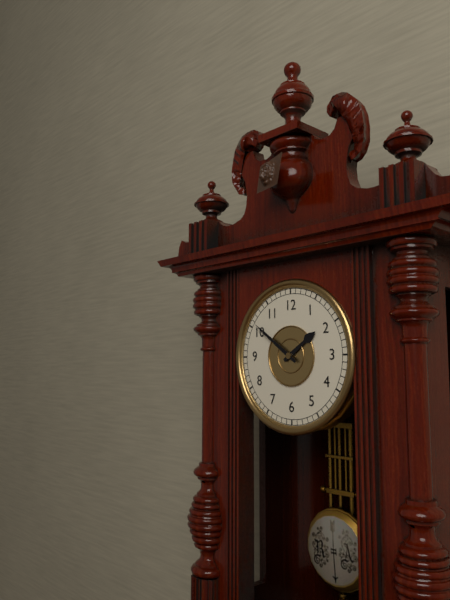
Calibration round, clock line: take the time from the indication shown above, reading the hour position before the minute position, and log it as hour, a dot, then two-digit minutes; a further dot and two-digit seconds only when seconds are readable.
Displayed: 1.51
